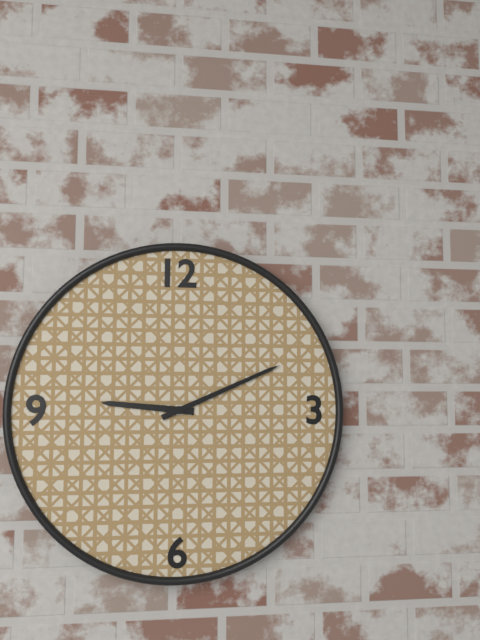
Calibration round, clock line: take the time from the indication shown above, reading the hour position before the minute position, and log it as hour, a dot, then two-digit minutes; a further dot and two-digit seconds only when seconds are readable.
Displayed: 9.11
